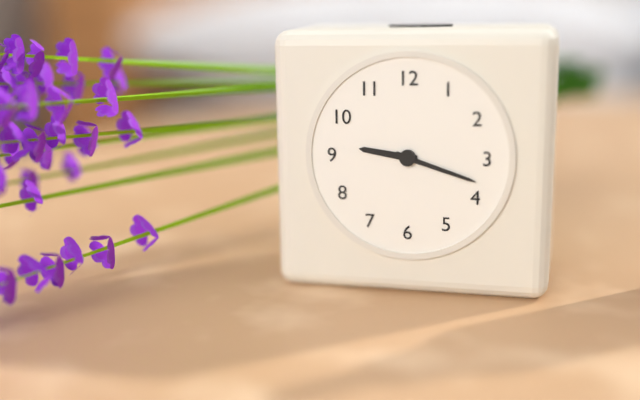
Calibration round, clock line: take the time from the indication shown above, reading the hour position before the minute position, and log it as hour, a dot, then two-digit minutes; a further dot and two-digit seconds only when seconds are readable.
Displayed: 9.18
